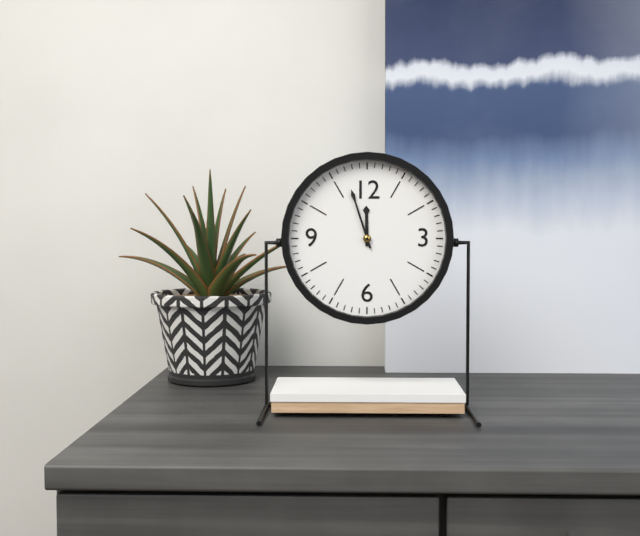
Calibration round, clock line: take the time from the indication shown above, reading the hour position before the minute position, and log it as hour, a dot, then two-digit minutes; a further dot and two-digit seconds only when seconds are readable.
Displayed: 11.57
